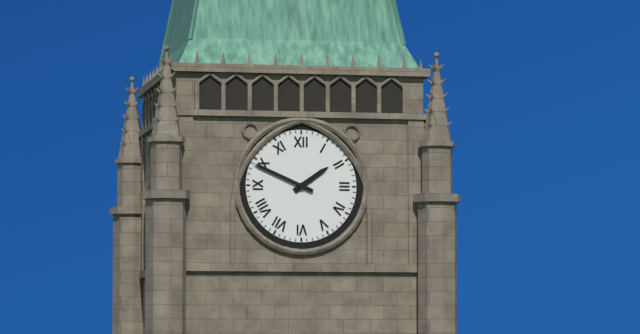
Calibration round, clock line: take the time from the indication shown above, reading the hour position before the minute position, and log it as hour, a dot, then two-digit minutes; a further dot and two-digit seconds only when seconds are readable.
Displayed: 1.49
